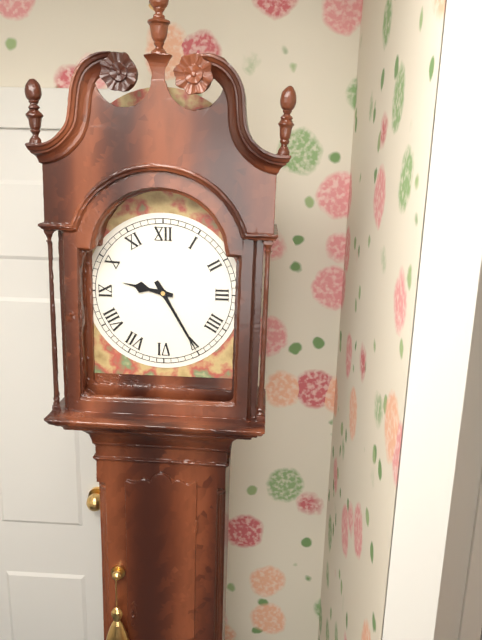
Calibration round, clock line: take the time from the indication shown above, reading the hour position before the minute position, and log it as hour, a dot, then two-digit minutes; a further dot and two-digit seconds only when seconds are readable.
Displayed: 9.25
